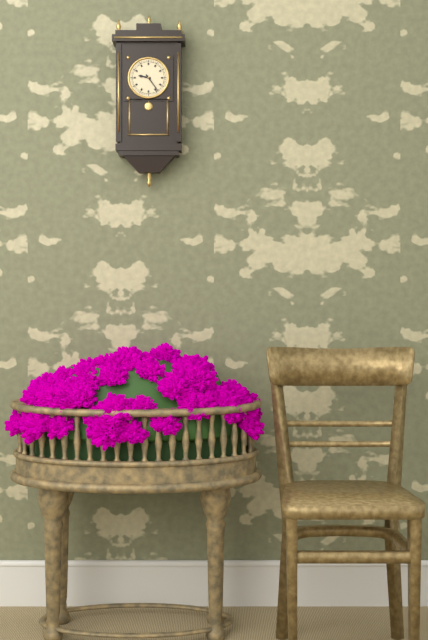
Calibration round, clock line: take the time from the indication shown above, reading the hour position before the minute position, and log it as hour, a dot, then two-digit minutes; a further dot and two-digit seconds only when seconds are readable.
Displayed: 9.24
